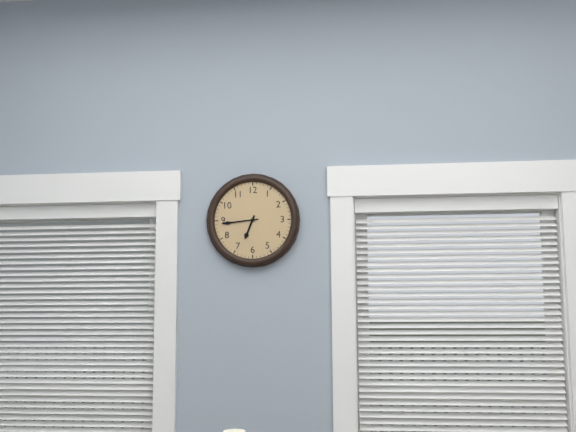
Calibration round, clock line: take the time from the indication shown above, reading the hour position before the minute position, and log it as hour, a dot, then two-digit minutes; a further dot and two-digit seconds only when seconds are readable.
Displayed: 6.44
